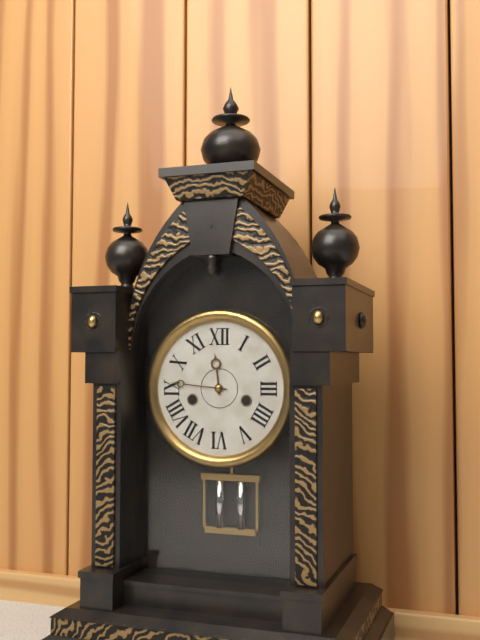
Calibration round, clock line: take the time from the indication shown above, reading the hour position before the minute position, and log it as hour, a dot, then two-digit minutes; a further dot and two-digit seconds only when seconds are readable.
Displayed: 11.46
